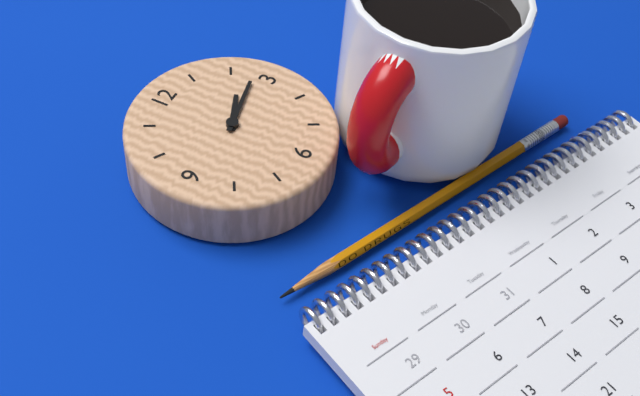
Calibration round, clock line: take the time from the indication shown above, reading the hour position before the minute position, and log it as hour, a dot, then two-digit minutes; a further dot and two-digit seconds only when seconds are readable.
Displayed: 2.13
